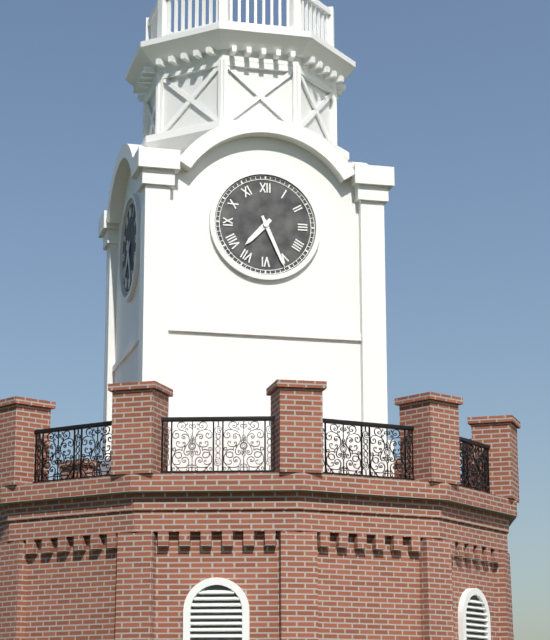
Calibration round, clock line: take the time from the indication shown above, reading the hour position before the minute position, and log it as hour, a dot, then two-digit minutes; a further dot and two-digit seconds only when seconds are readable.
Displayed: 7.26
